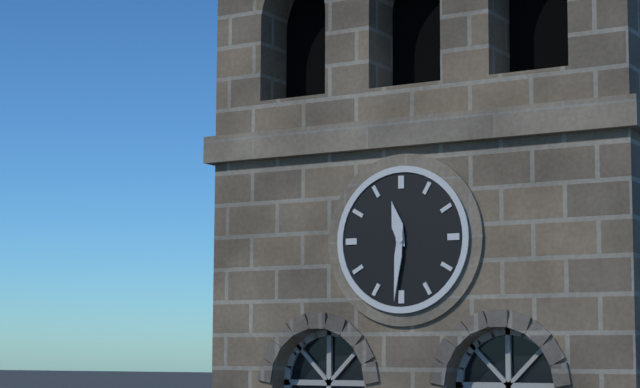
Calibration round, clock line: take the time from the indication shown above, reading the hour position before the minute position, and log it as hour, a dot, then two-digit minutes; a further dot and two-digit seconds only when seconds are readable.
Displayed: 11.31
